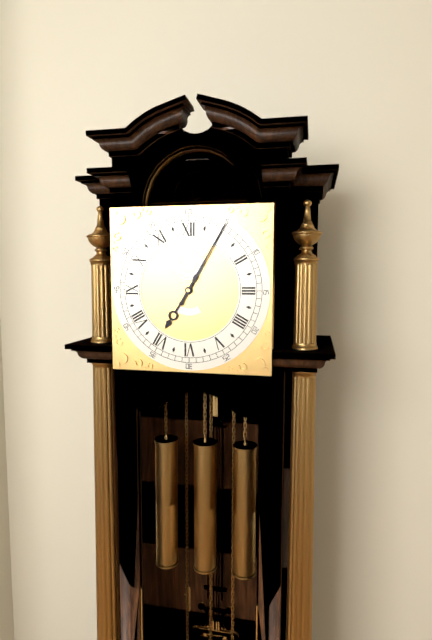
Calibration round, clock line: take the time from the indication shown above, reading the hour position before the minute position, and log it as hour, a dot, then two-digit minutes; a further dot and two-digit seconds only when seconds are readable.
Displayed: 7.05
